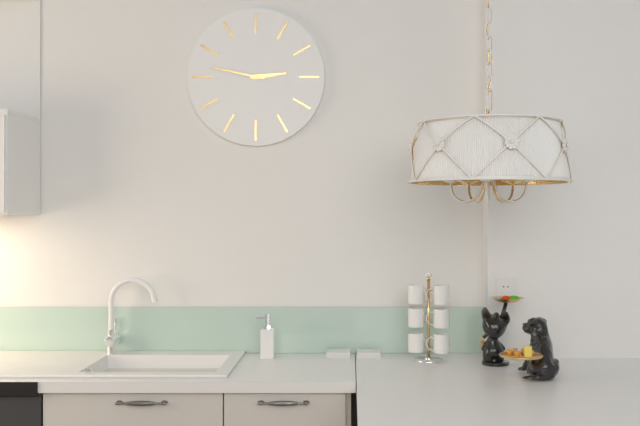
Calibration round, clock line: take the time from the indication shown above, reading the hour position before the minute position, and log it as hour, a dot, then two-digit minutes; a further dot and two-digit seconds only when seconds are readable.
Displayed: 2.47
